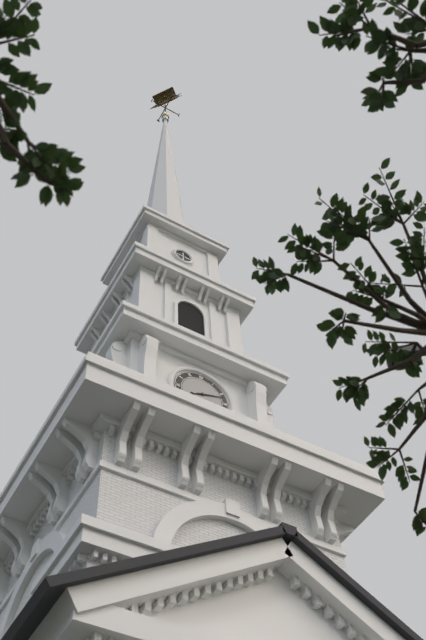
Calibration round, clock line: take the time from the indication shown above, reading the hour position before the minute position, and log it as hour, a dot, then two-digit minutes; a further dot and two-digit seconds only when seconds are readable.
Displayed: 8.12
